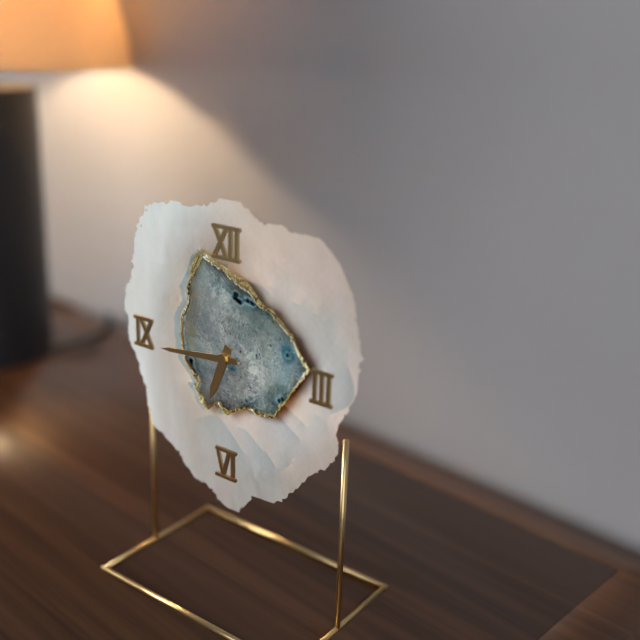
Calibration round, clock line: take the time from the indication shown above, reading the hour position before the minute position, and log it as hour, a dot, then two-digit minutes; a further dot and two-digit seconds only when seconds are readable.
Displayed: 6.44
